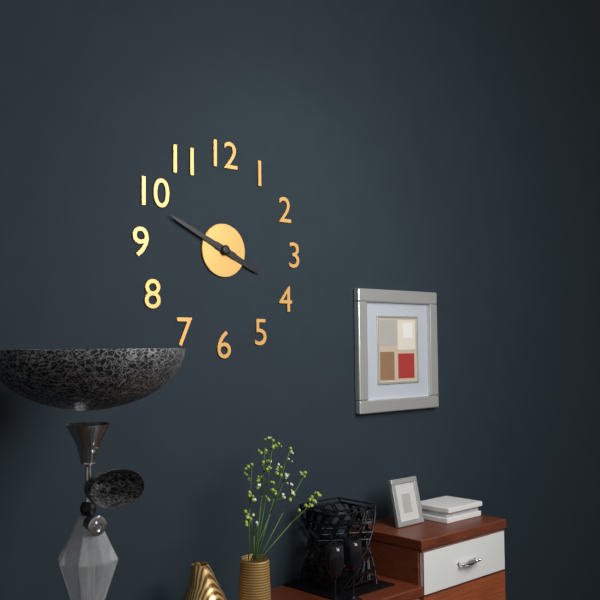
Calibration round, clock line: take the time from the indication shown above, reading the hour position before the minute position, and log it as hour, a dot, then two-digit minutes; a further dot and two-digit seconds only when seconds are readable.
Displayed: 3.49
